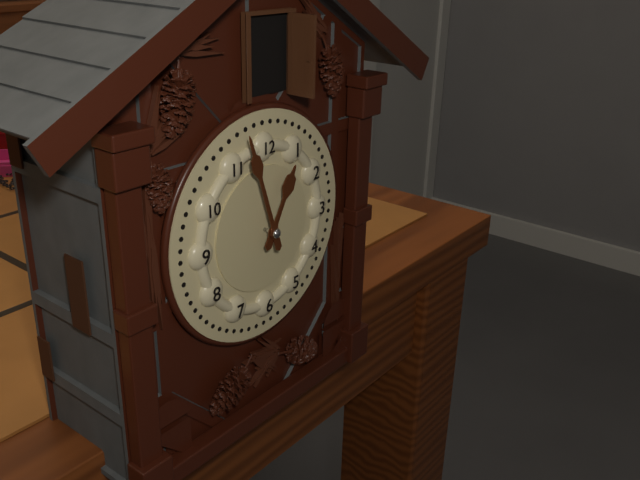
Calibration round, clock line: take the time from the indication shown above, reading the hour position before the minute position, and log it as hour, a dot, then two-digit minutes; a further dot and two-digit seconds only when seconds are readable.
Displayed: 12.57
